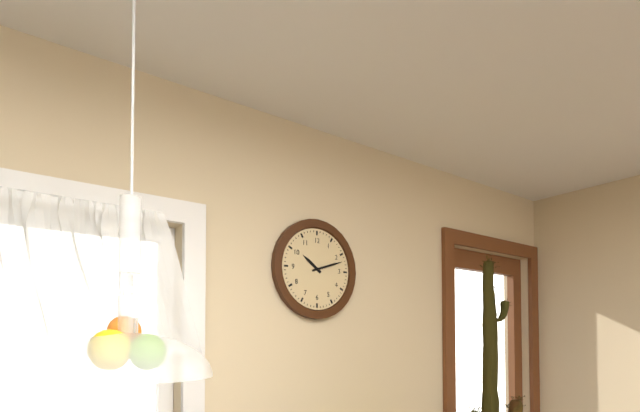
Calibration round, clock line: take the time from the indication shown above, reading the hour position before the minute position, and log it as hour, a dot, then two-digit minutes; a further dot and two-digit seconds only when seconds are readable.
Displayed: 10.12
